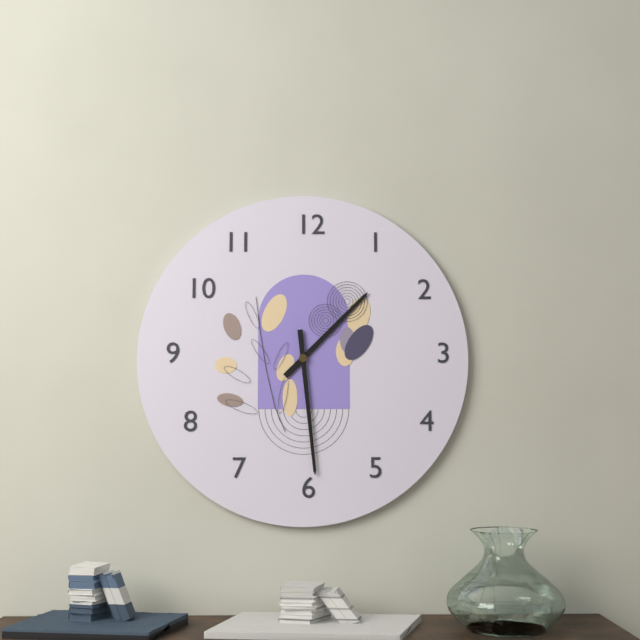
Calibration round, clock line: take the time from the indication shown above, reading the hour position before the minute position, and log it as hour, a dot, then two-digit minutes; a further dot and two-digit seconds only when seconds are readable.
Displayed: 1.29
